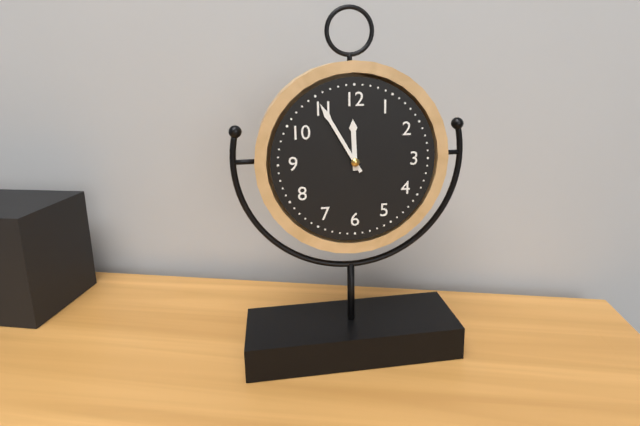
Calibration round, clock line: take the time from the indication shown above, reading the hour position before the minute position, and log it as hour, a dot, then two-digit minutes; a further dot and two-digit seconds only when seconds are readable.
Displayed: 11.55
